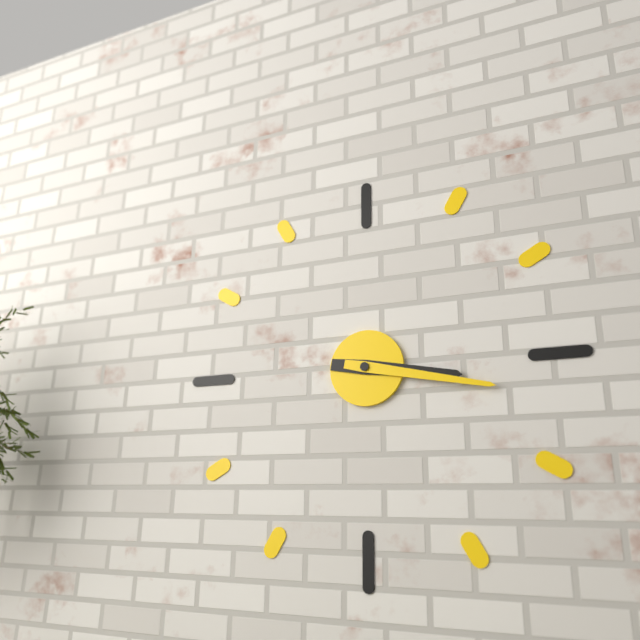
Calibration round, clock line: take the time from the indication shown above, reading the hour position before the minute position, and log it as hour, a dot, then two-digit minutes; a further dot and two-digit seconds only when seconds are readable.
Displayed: 3.17
